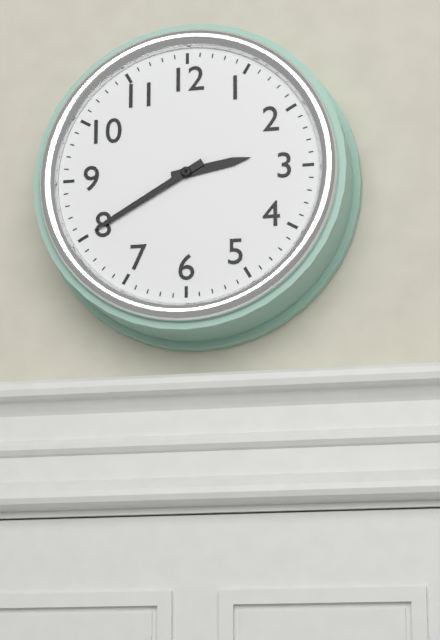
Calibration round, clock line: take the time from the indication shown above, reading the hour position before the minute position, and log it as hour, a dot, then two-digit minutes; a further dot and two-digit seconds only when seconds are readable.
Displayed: 2.40
